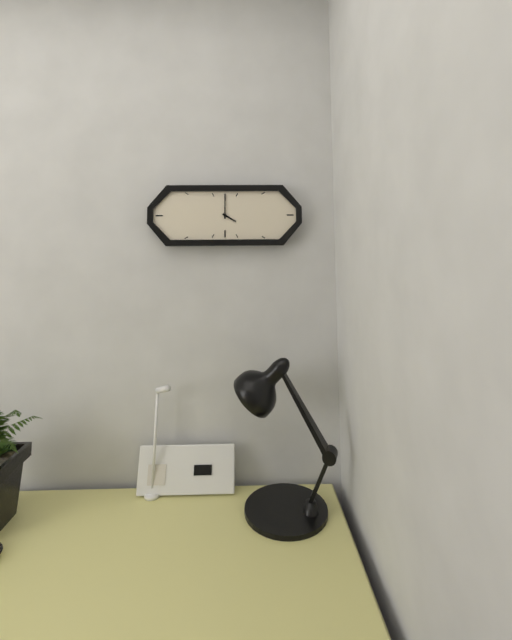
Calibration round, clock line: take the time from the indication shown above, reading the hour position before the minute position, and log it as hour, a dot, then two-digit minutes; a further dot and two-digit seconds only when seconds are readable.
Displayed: 4.00
